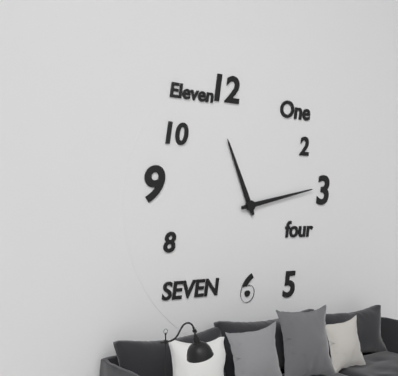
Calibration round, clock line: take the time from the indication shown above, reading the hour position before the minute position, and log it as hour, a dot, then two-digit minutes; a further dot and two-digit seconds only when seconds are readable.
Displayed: 11.13
